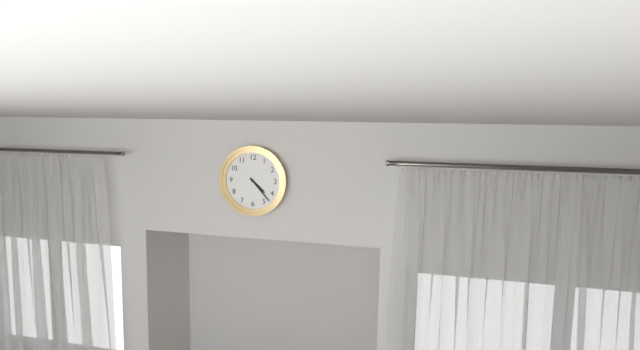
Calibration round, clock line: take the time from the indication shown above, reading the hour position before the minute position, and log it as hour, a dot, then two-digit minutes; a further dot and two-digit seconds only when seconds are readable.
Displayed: 4.23
